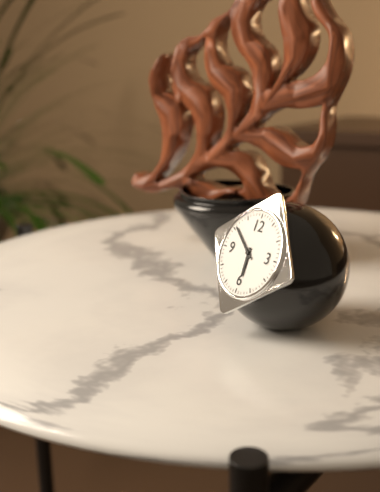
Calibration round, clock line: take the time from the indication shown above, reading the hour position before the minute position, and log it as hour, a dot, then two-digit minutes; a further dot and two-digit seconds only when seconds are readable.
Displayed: 5.51
